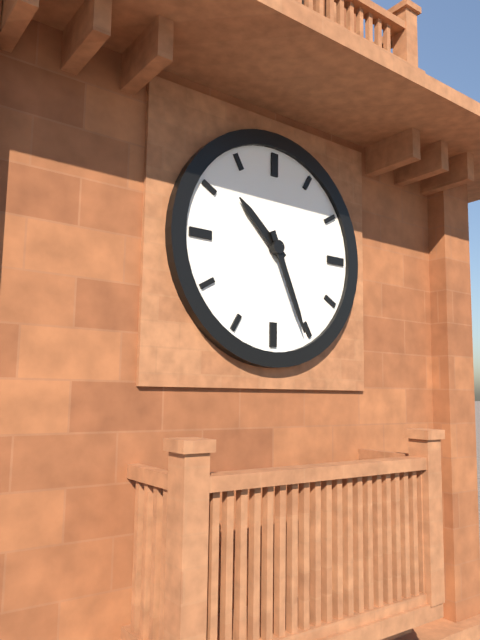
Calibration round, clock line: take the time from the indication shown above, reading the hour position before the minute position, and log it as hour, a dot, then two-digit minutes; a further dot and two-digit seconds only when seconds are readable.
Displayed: 10.26
